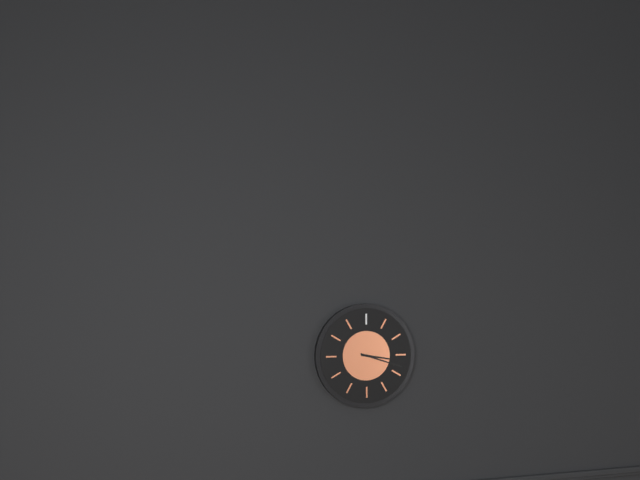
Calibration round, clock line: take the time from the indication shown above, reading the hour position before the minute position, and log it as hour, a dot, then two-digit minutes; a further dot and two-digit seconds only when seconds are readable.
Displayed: 3.18
